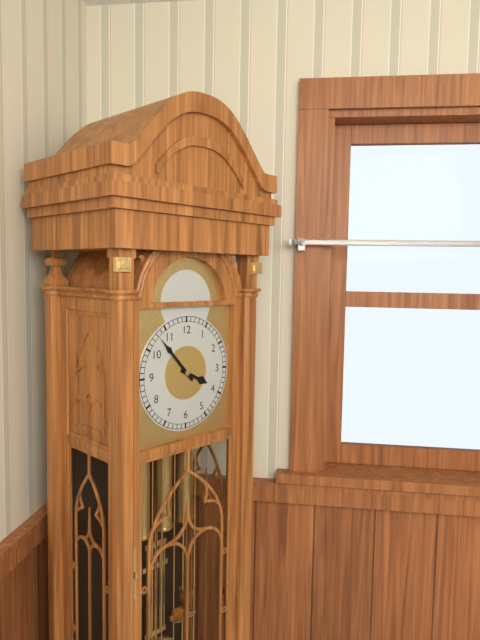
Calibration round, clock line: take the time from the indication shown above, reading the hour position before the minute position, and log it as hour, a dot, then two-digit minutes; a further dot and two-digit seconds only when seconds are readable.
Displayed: 3.53
